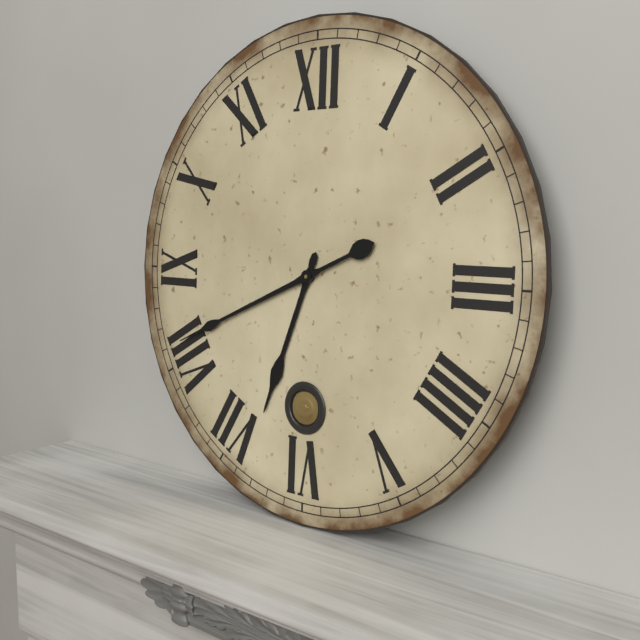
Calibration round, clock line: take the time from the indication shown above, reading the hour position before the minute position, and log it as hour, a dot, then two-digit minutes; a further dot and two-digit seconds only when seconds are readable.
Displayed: 6.41
